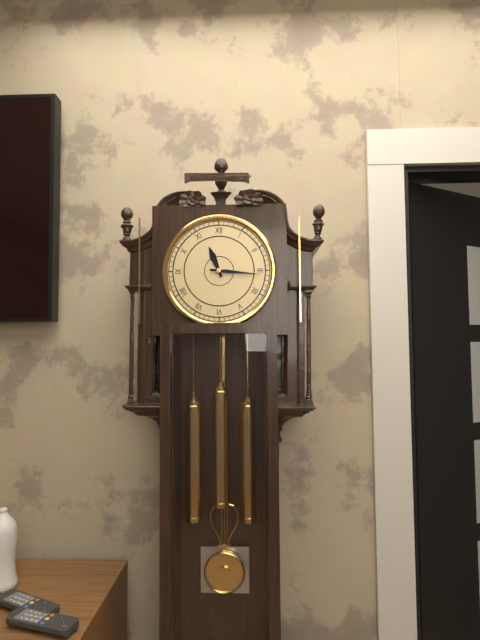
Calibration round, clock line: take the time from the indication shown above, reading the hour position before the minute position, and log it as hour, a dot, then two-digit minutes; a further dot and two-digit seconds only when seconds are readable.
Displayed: 11.16
